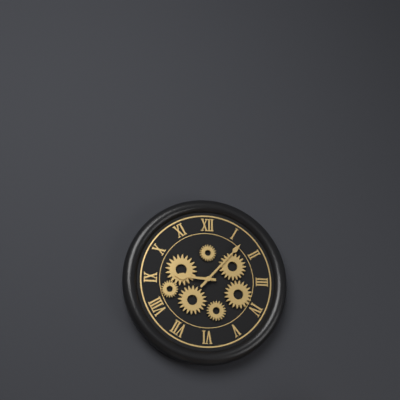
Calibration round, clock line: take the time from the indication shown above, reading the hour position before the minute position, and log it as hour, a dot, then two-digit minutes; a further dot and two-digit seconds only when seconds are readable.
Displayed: 9.07
